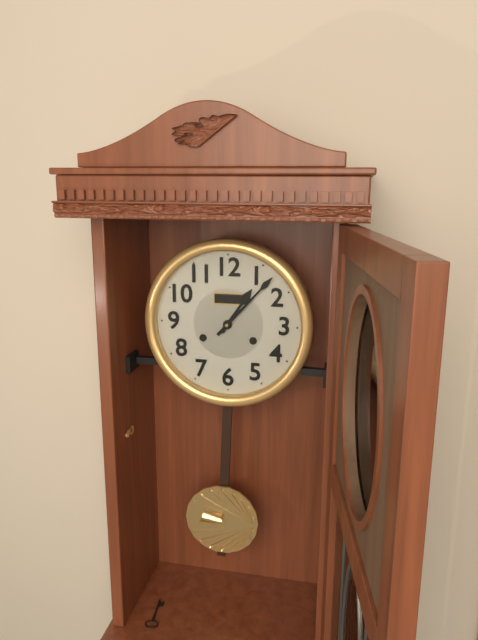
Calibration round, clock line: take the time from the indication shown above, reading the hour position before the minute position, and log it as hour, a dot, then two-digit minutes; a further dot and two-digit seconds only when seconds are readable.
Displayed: 1.07
